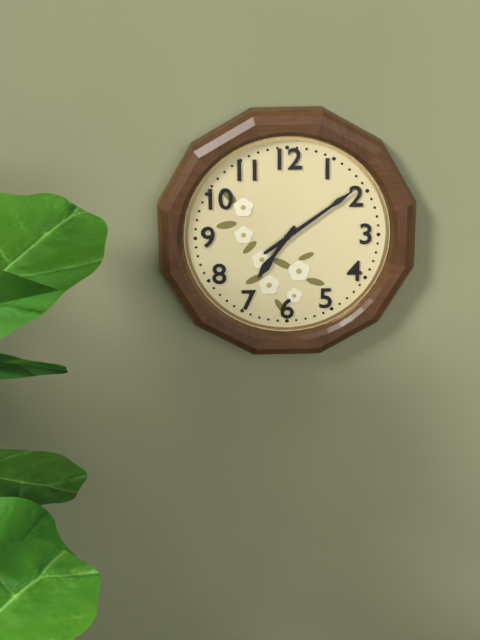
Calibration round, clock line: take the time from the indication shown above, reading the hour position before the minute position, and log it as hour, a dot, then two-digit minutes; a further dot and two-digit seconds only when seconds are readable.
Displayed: 7.09
